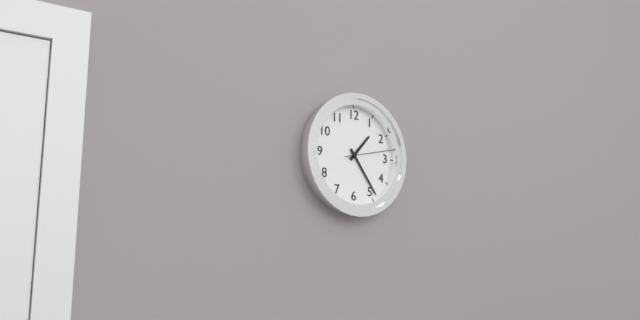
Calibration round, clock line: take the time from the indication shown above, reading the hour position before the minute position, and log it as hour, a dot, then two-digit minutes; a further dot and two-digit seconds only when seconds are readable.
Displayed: 1.24
